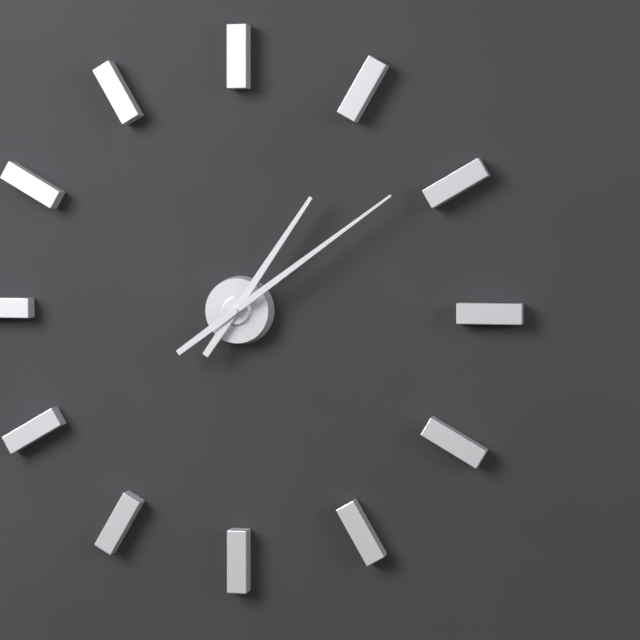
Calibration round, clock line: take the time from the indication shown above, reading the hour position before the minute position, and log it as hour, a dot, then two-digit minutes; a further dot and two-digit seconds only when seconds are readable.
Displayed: 1.09
